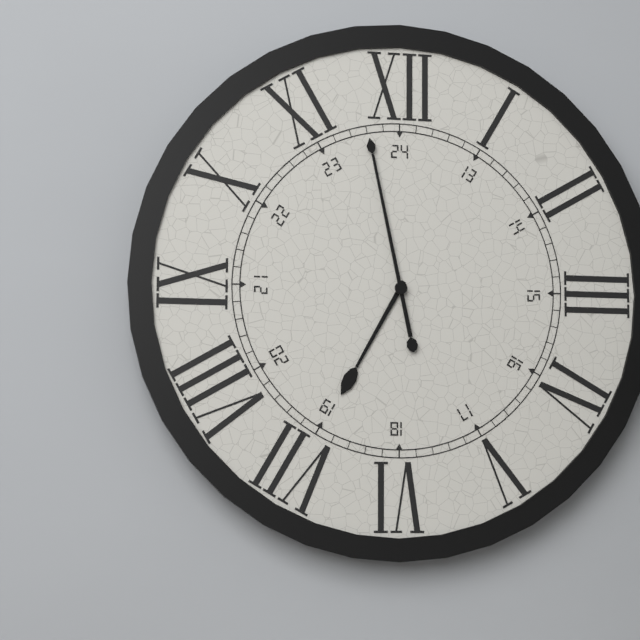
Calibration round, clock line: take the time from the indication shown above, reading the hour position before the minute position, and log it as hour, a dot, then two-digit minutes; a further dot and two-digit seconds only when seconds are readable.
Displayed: 6.58
